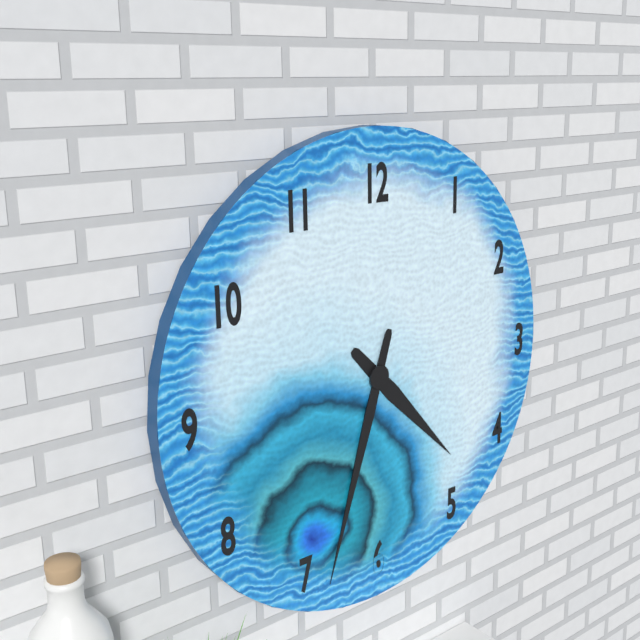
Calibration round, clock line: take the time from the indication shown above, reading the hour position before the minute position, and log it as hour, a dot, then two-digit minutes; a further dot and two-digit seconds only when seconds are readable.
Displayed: 4.33
